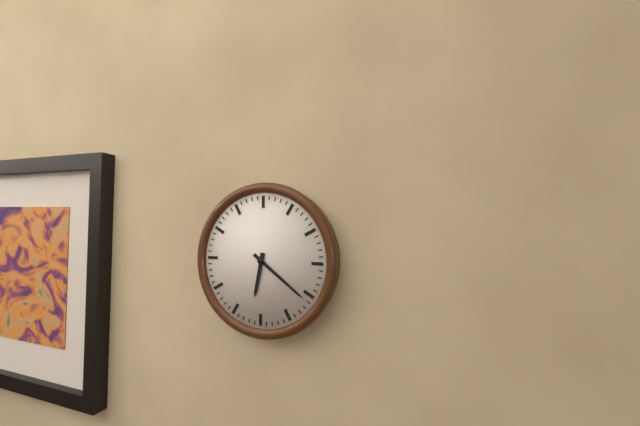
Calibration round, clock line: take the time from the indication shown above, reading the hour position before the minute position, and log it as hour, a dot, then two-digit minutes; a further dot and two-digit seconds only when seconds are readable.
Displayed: 6.21
